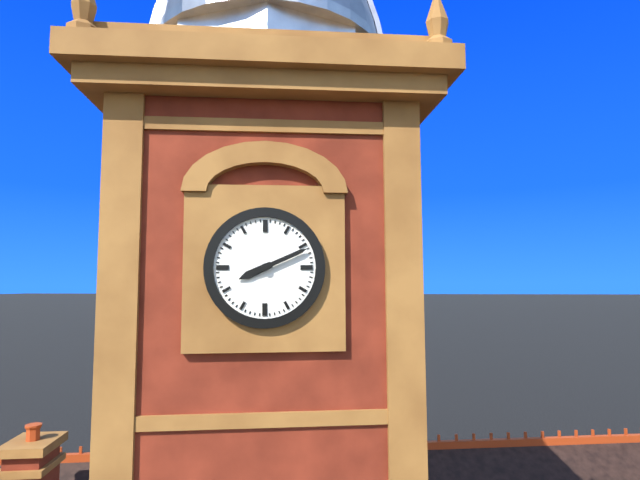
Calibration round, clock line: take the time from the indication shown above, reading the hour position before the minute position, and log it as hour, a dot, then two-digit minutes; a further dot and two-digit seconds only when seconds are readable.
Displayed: 8.11
